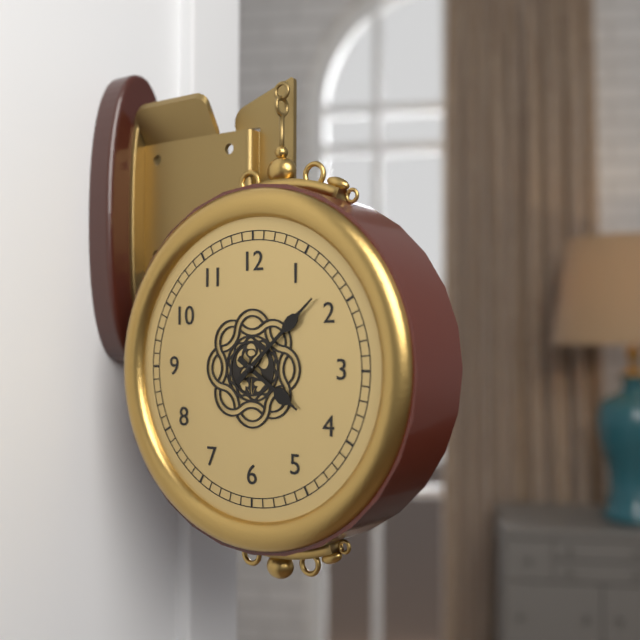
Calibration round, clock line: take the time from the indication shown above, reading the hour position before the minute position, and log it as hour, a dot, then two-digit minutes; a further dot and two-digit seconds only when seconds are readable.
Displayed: 4.08
